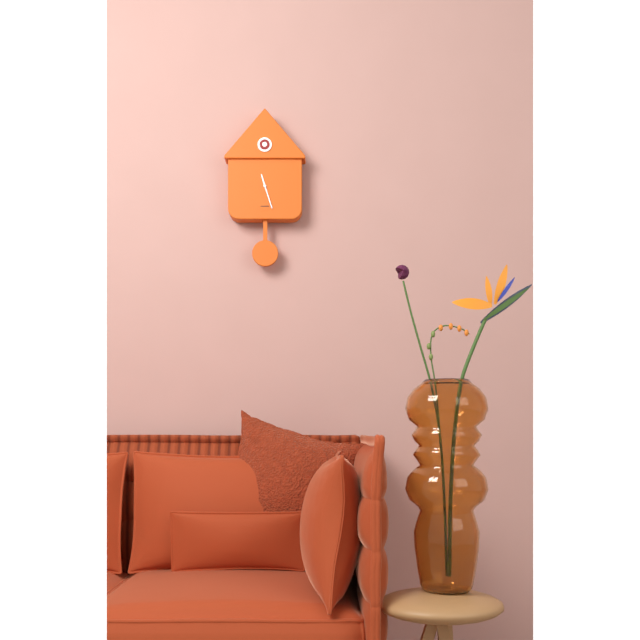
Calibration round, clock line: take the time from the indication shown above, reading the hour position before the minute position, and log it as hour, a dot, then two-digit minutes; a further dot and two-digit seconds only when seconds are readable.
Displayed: 11.27
